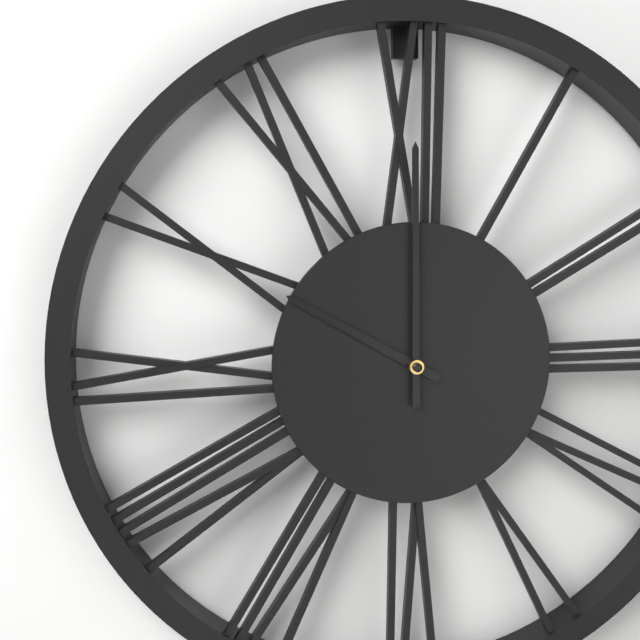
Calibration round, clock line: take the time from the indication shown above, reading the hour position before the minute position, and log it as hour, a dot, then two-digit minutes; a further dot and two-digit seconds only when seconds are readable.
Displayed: 10.00
